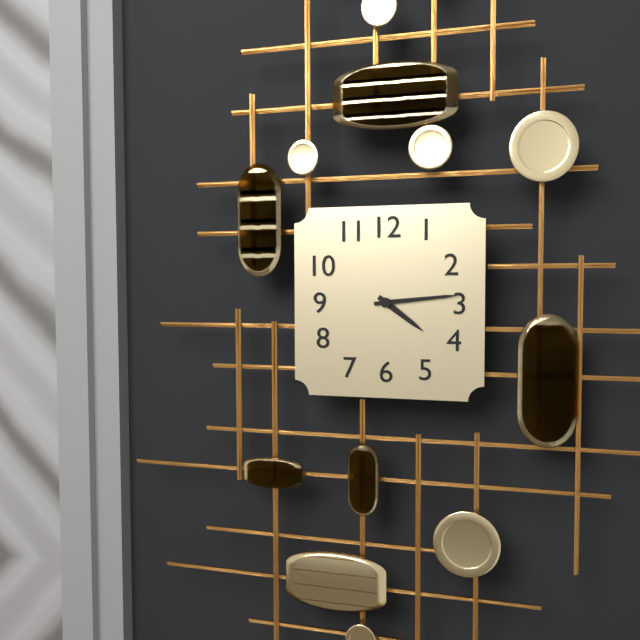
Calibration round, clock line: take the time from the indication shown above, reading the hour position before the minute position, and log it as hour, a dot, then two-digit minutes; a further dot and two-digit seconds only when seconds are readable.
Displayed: 4.14
